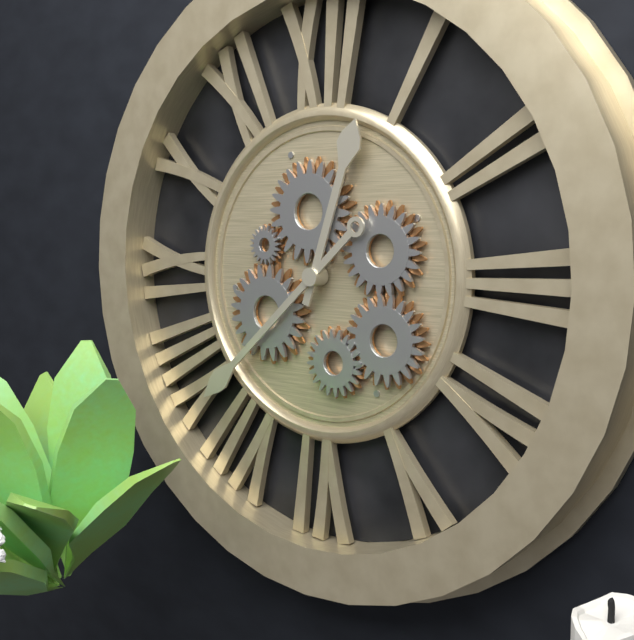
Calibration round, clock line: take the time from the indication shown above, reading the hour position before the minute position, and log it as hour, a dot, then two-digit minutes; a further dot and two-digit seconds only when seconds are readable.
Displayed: 12.38
